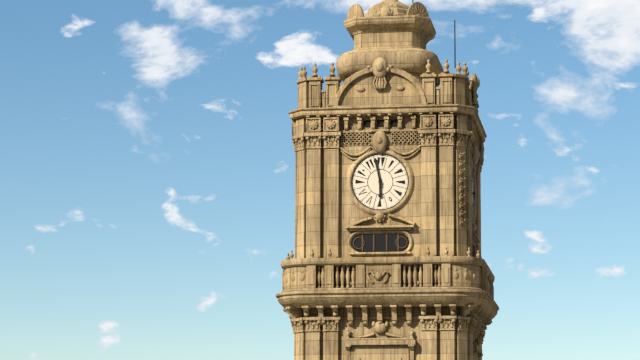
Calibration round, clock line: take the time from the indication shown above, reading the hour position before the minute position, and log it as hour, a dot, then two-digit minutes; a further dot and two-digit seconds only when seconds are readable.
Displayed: 5.58
